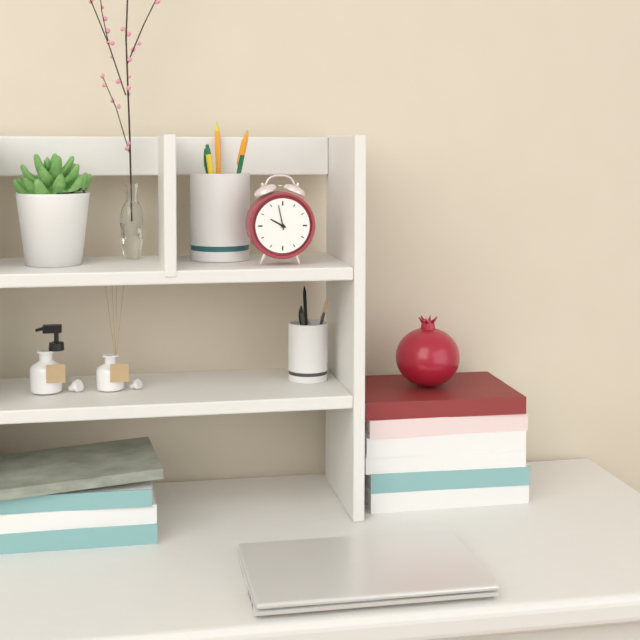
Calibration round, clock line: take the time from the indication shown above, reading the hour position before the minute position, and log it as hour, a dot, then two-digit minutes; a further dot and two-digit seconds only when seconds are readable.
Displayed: 9.58
